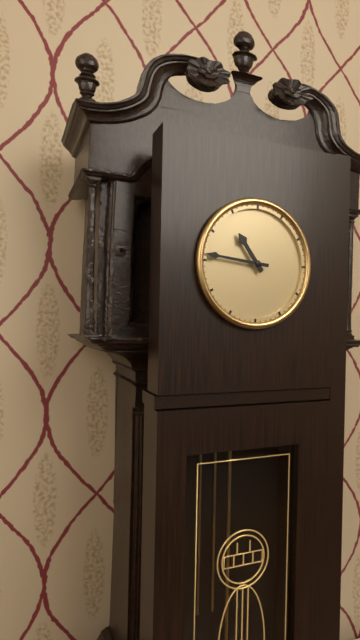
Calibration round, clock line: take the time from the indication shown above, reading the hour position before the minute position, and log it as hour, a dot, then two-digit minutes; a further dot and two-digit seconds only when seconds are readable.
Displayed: 10.46
